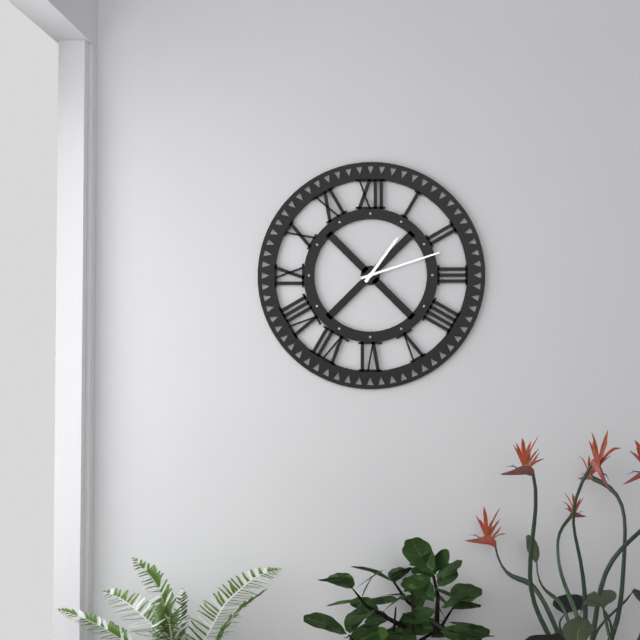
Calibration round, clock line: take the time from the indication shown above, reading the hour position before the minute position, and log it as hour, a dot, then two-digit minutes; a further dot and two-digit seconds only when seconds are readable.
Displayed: 1.12
